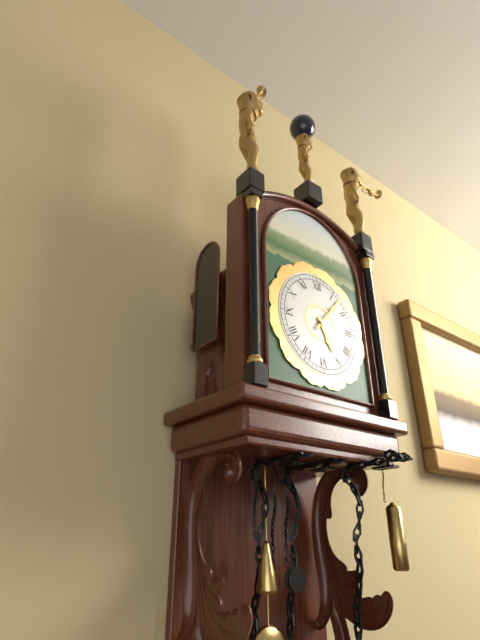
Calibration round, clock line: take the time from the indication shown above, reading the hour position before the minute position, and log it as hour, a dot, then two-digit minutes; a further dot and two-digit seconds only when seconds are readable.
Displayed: 5.07
